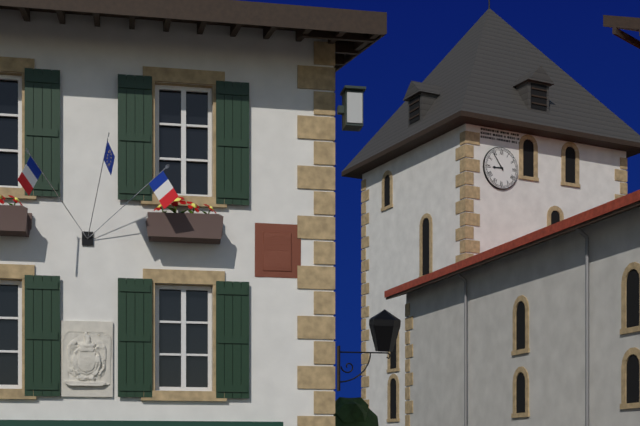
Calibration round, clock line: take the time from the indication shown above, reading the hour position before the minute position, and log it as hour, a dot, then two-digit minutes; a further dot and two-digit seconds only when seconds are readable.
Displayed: 8.54
